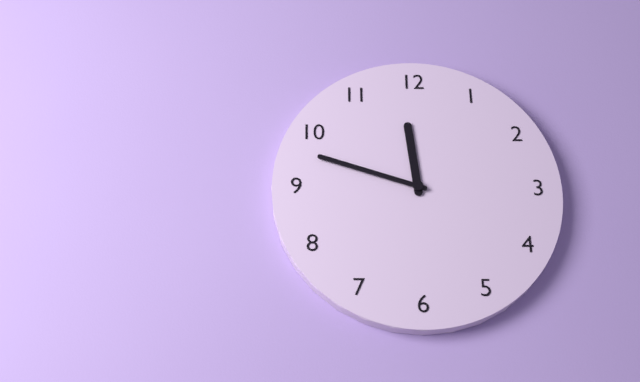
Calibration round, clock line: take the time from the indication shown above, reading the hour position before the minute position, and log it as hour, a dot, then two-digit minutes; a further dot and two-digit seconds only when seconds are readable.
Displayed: 11.48
